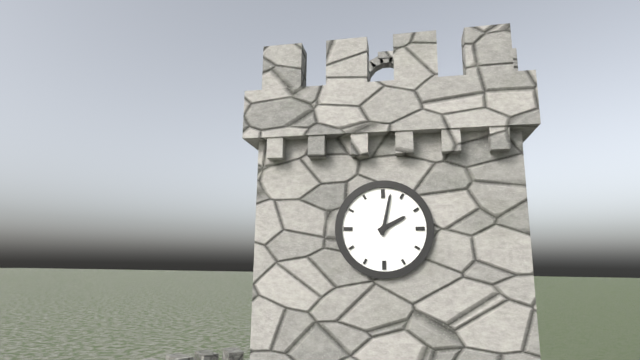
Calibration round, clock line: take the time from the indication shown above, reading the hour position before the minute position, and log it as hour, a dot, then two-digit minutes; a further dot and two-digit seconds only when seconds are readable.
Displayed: 2.02
